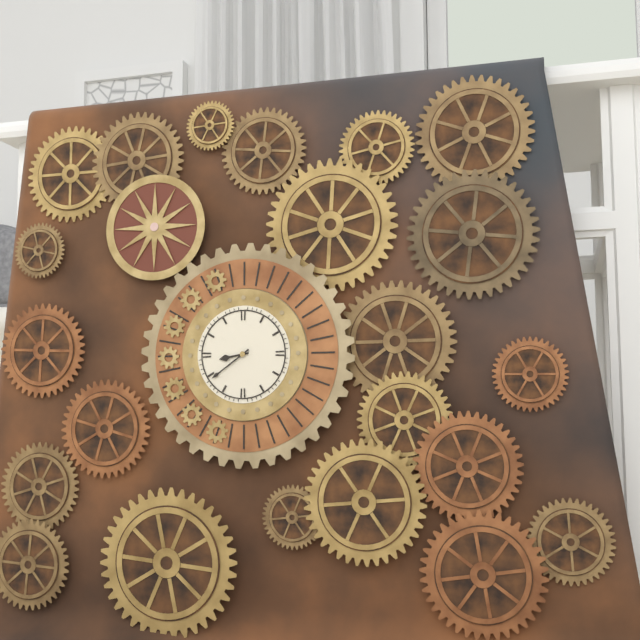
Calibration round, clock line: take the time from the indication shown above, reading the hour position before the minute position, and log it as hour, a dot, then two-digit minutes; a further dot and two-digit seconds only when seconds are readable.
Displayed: 8.39
